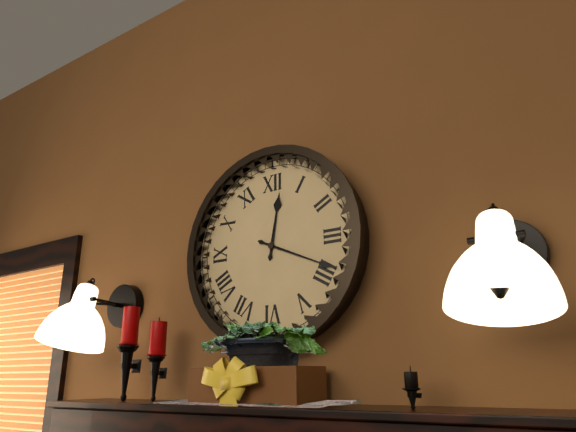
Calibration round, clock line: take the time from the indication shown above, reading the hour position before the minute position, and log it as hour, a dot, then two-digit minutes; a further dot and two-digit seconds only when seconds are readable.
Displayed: 12.19
